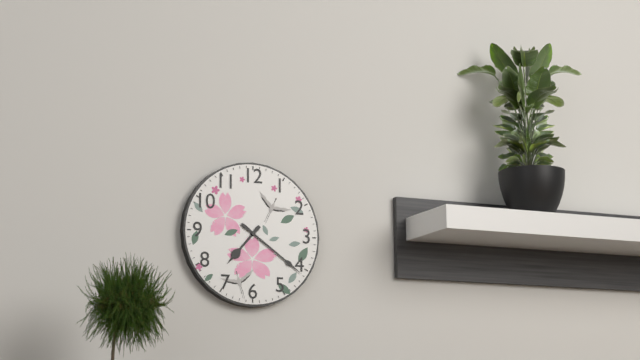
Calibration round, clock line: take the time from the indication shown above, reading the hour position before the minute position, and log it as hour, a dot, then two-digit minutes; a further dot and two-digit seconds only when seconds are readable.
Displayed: 7.21
